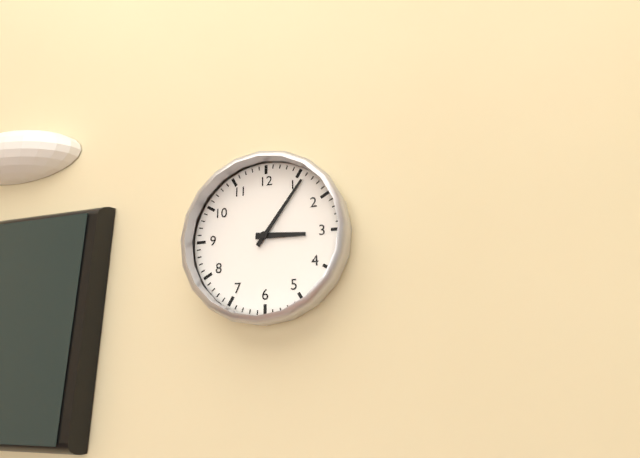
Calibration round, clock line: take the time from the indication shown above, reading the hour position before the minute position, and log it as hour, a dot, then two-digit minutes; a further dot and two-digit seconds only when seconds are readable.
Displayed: 3.06
